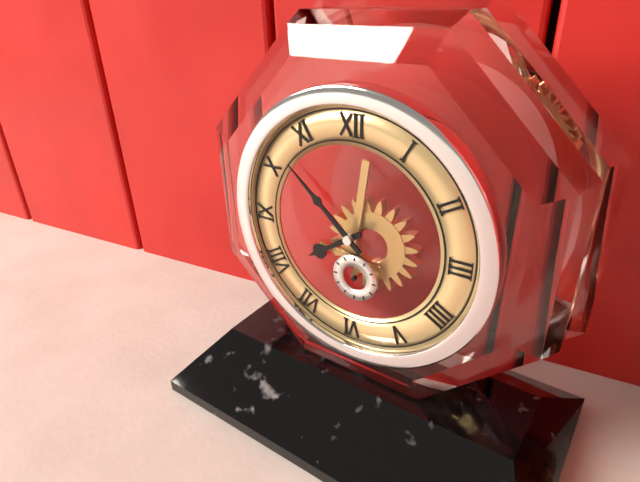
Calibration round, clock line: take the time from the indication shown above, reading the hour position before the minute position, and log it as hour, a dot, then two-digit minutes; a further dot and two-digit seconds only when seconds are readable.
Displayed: 7.52
